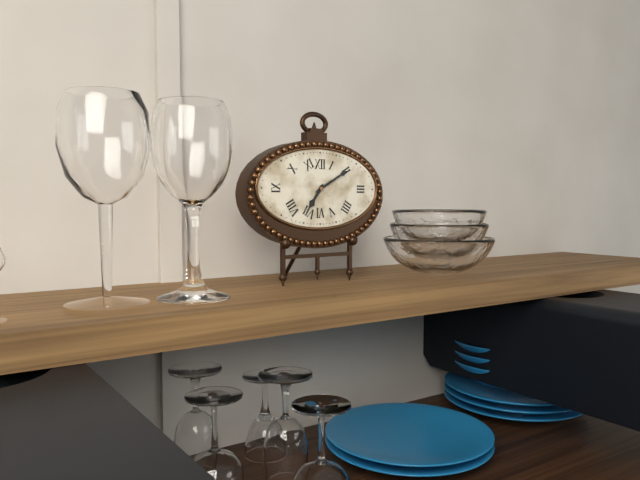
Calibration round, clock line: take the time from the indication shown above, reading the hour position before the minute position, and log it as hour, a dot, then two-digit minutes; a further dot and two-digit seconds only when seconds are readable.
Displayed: 7.10
